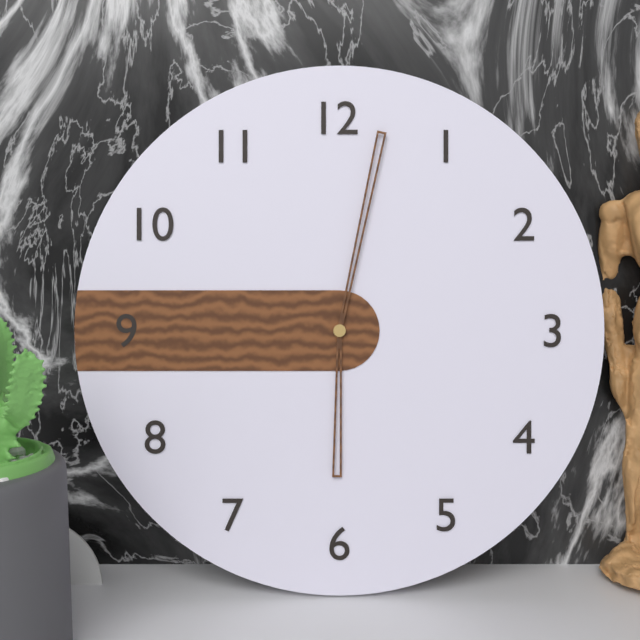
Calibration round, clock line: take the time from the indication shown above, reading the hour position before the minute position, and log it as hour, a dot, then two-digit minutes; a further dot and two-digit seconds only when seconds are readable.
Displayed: 6.02
